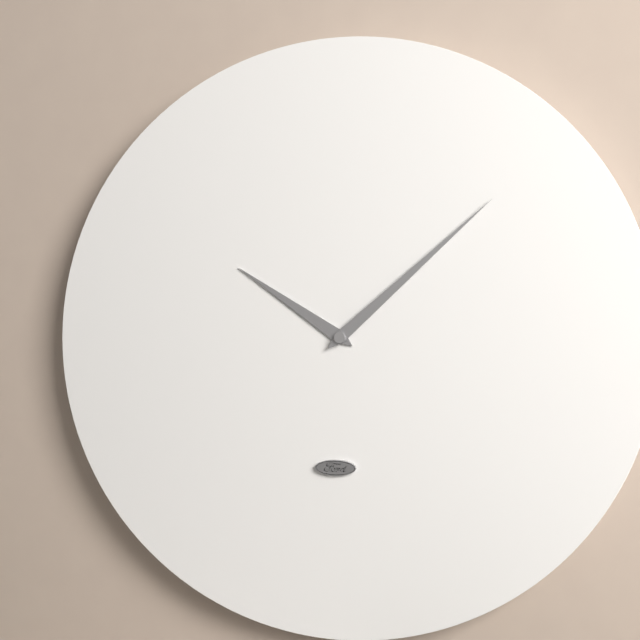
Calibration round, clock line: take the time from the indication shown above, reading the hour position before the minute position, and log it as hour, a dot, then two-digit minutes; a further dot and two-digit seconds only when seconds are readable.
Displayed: 10.08
